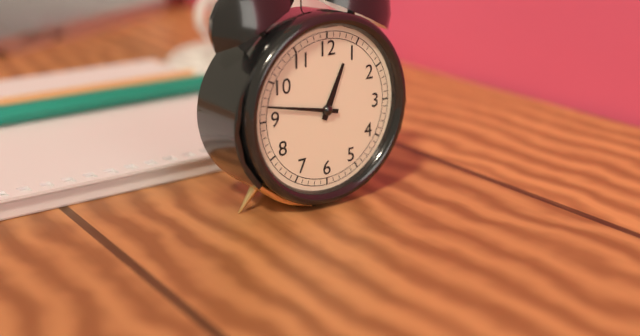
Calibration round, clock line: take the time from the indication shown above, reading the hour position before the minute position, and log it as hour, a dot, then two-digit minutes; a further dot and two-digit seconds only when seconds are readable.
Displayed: 12.47
